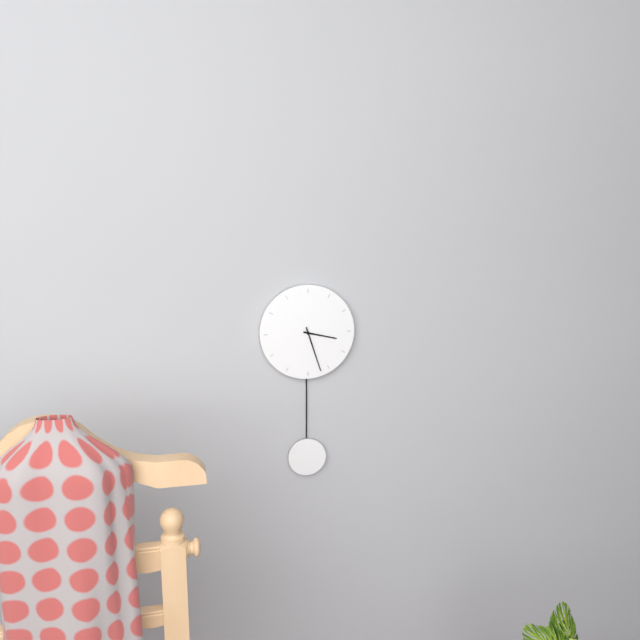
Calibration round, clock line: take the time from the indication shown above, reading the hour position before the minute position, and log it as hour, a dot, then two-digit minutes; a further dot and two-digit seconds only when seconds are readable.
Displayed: 3.27
